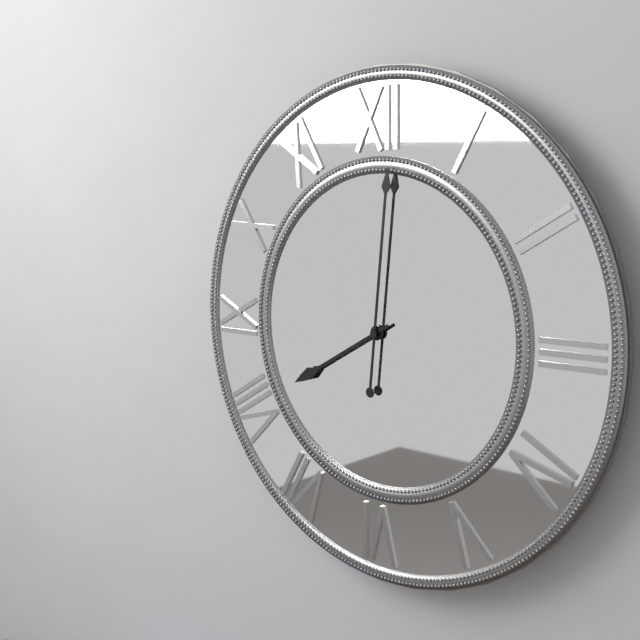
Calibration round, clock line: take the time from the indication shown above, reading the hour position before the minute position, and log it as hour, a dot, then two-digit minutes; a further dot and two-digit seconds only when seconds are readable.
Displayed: 8.01
